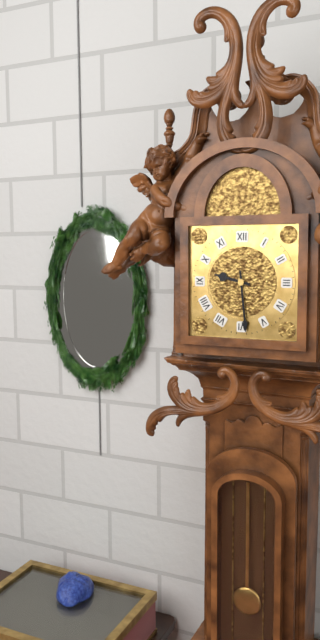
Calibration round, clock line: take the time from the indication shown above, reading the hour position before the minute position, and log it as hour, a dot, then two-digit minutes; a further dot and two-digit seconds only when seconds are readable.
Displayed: 9.29
